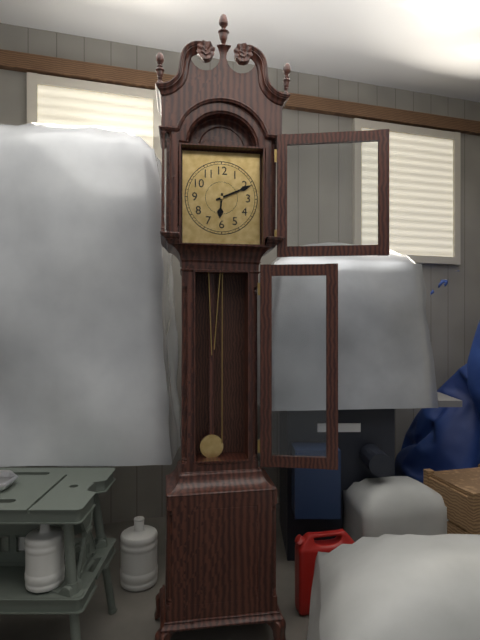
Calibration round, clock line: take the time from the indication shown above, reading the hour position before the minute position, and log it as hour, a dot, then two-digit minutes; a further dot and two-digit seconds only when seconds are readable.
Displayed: 6.11
